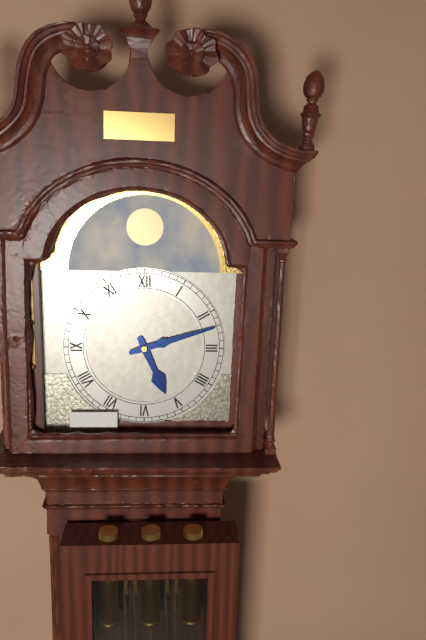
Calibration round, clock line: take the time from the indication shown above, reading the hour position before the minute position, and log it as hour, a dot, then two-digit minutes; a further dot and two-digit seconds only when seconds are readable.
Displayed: 5.12
